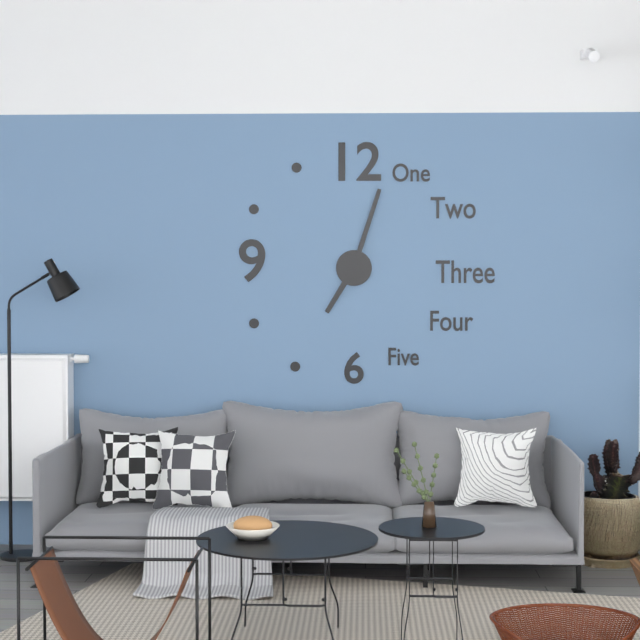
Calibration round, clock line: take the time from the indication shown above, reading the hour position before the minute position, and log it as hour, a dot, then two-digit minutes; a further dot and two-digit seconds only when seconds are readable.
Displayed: 7.03
